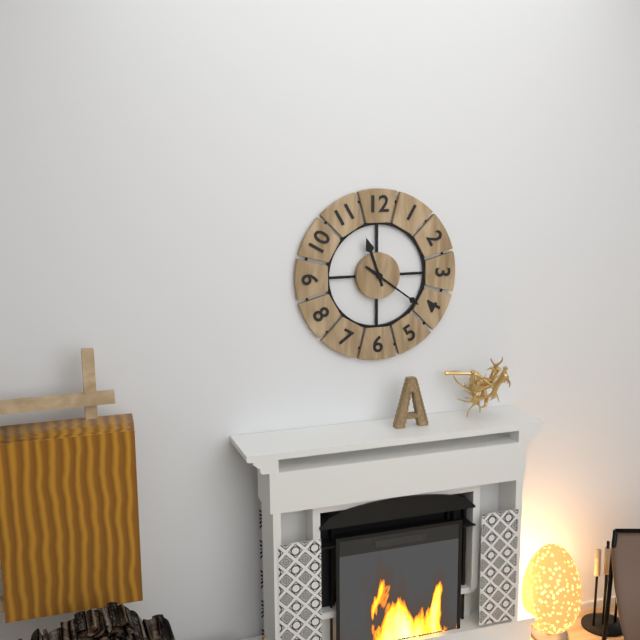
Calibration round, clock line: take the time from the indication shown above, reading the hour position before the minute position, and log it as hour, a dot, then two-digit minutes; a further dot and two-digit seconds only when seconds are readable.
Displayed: 11.21
